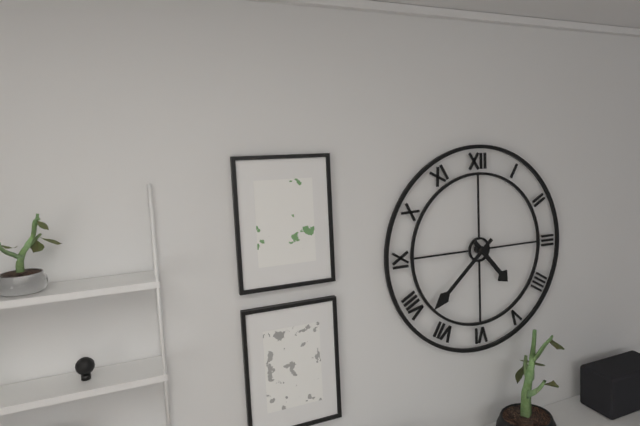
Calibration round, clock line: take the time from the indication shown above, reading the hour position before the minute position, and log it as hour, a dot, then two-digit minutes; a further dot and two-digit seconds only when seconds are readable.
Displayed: 4.38
